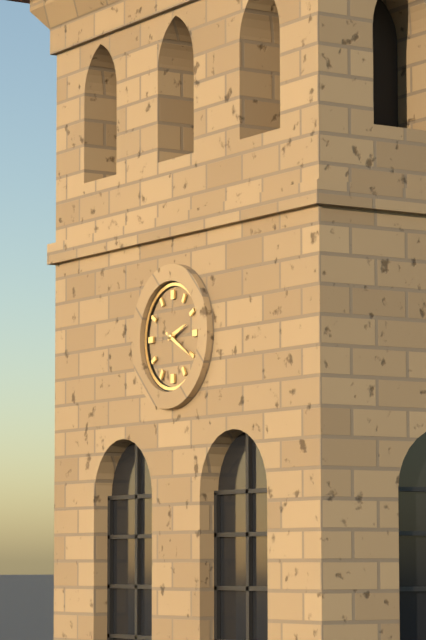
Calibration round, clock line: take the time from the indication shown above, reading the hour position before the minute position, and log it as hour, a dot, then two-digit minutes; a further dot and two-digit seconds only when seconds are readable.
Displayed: 2.20
